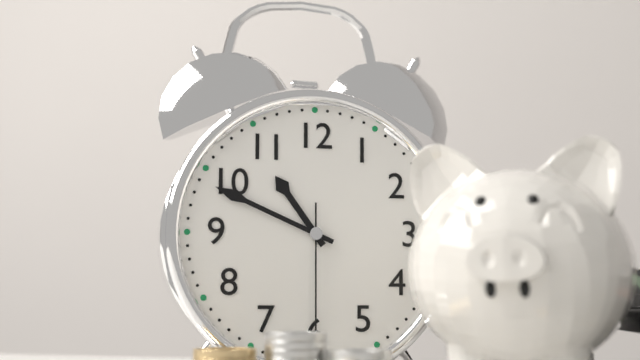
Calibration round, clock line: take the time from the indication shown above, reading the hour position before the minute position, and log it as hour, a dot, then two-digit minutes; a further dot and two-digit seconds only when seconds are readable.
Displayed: 10.49
